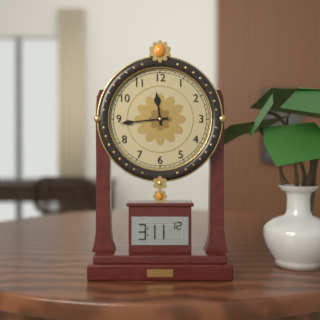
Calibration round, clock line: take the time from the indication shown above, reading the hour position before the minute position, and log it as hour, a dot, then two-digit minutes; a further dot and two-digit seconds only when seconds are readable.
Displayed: 11.44
